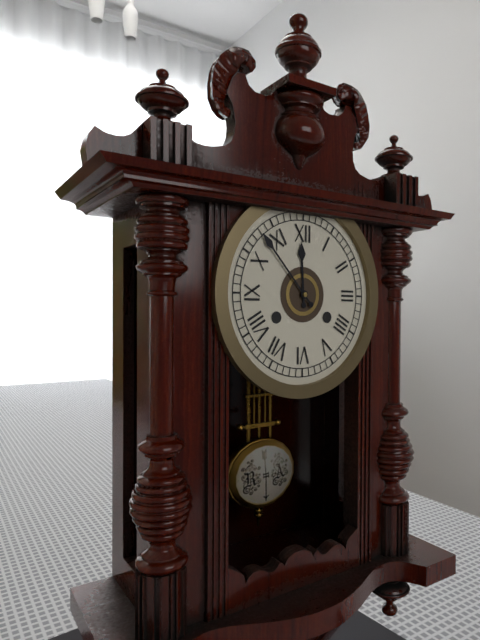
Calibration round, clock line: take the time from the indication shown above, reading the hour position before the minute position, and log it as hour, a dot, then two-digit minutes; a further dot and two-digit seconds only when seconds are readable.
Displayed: 11.53
